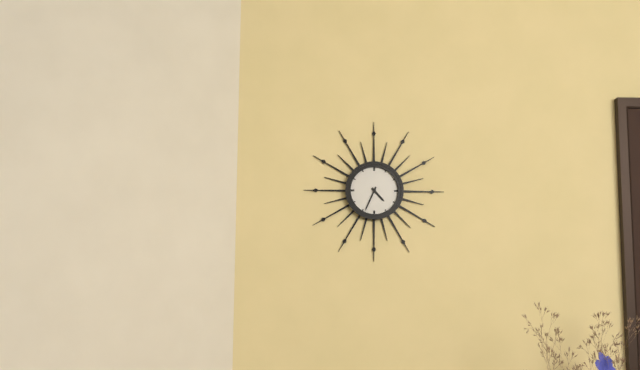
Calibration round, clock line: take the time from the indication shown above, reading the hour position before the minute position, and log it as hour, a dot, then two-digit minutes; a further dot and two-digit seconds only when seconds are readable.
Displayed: 4.34
